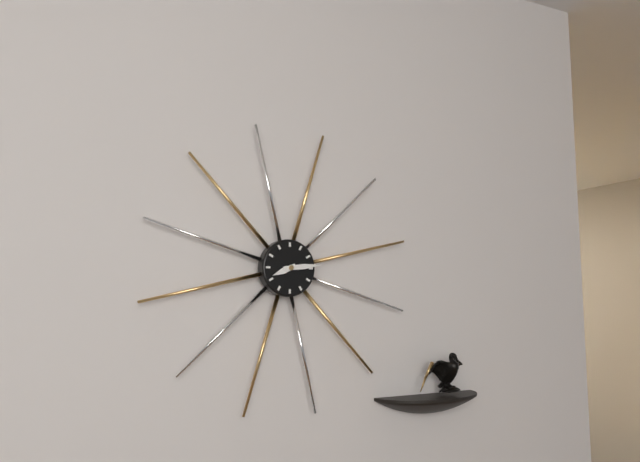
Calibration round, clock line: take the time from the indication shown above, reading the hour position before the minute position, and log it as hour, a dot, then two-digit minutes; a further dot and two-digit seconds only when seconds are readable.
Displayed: 8.14
